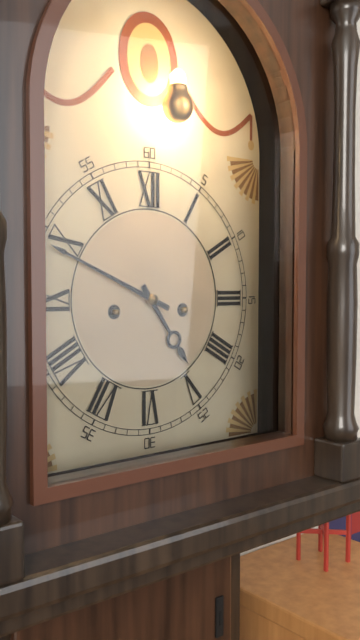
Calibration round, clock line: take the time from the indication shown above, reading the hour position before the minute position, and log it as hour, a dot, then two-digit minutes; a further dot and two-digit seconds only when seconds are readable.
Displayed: 4.49
